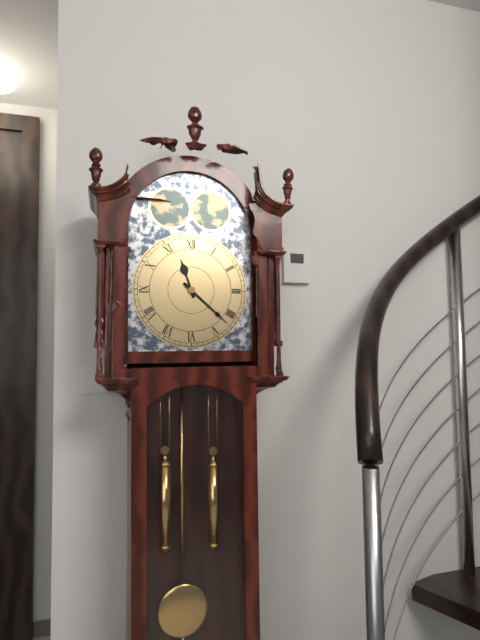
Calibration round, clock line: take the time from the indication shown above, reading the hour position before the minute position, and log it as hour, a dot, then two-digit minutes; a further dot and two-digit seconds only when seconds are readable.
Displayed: 11.22
